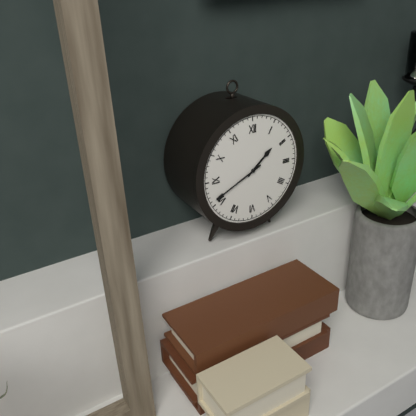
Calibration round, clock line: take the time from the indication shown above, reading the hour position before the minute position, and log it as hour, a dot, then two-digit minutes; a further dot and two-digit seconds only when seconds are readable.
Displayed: 1.41
